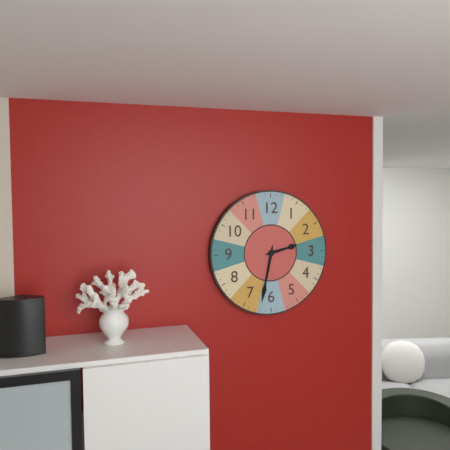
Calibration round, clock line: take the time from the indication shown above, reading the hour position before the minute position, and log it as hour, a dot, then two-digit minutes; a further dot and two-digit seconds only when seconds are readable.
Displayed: 2.32
